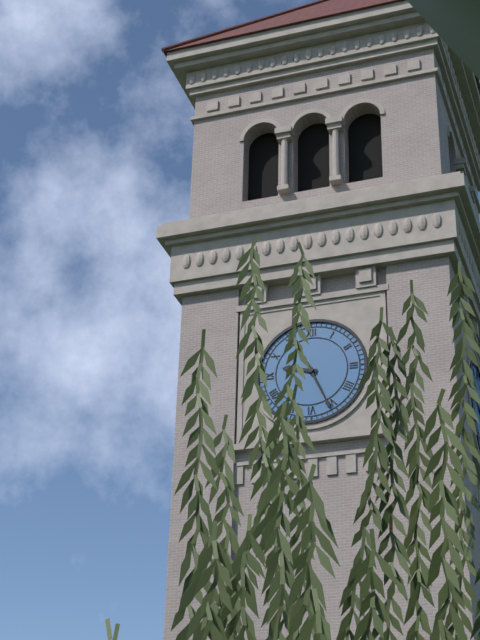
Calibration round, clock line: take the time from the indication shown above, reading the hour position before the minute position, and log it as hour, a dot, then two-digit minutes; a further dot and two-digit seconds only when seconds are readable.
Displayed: 9.26
